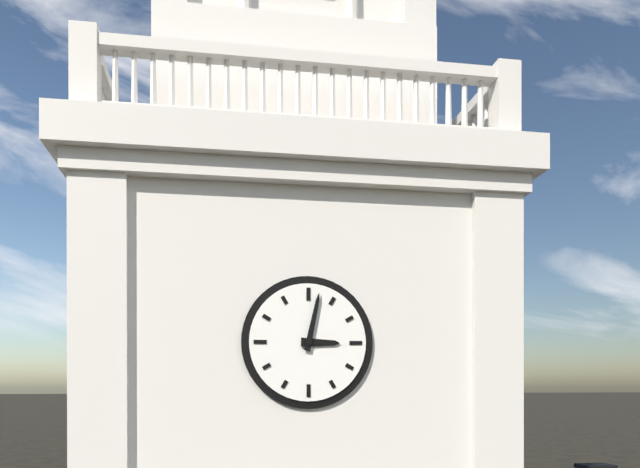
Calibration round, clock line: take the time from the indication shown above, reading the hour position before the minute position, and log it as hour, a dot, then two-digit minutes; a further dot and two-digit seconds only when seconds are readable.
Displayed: 3.02
